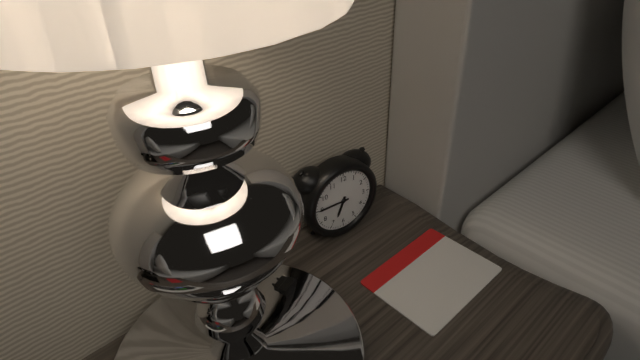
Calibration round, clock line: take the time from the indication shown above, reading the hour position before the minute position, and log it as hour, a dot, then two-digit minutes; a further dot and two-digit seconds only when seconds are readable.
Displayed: 6.45
